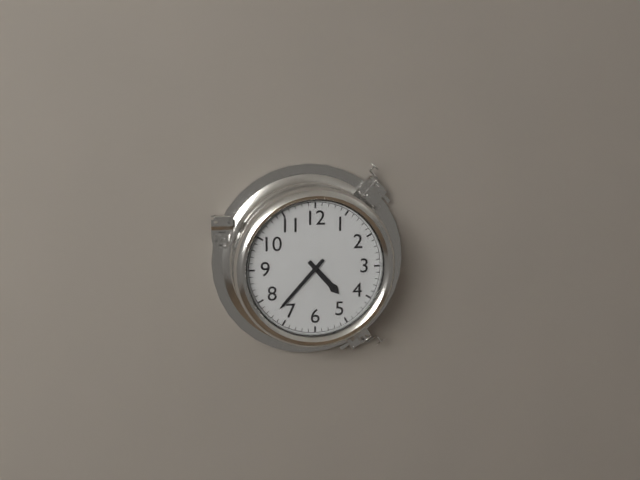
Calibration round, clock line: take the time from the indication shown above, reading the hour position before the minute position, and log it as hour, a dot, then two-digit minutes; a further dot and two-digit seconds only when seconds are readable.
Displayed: 4.37
